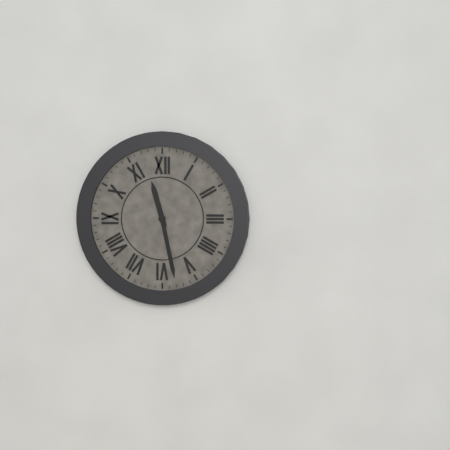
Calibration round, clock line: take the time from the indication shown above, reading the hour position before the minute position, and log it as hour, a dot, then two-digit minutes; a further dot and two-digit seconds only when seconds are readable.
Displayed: 11.28
